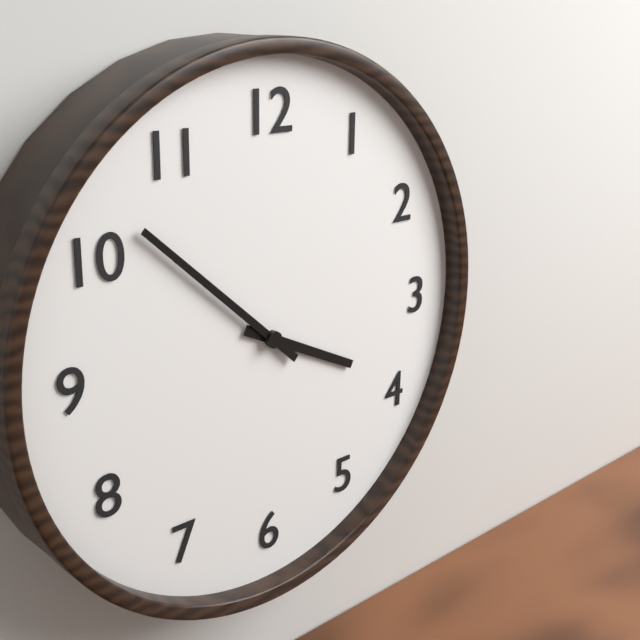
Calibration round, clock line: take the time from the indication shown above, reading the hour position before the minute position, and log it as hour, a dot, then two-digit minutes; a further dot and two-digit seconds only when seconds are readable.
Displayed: 3.52
